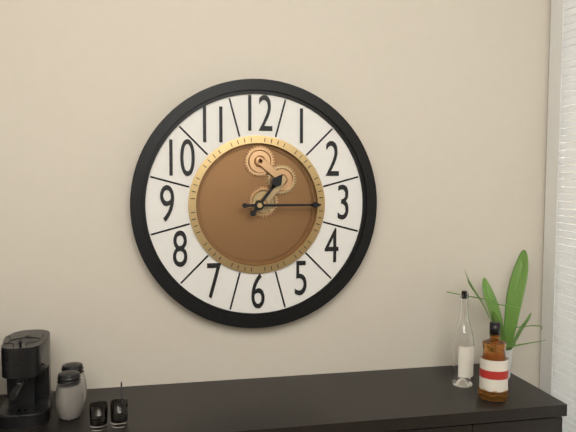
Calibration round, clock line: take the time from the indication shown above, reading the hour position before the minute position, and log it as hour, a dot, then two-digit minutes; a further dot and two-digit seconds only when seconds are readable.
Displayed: 1.15
